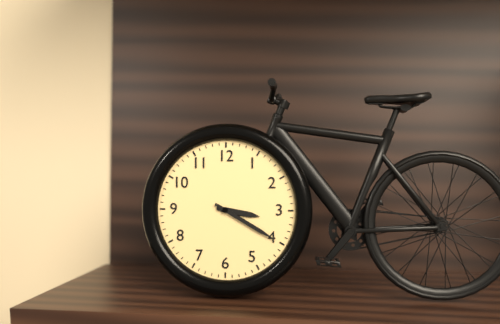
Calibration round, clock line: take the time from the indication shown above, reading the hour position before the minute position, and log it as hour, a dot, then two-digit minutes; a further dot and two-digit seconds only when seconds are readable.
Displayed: 3.20
